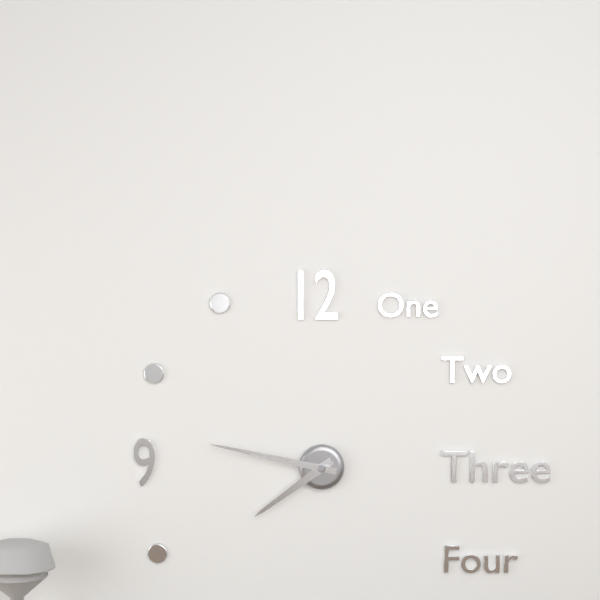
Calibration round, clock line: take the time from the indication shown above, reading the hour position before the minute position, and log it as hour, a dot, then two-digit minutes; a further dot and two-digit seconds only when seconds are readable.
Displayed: 7.47
